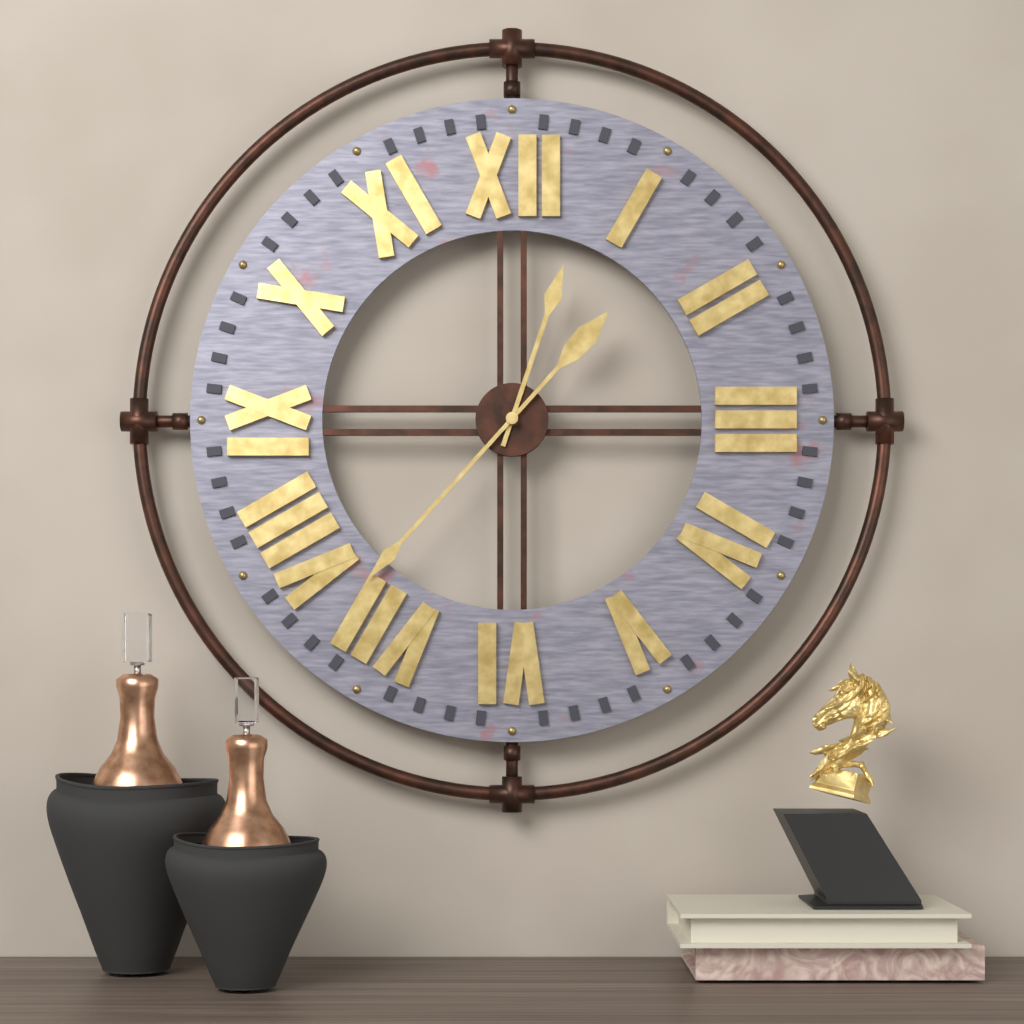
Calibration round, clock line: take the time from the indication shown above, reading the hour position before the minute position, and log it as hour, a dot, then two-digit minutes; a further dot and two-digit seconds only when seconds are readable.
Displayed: 12.37
